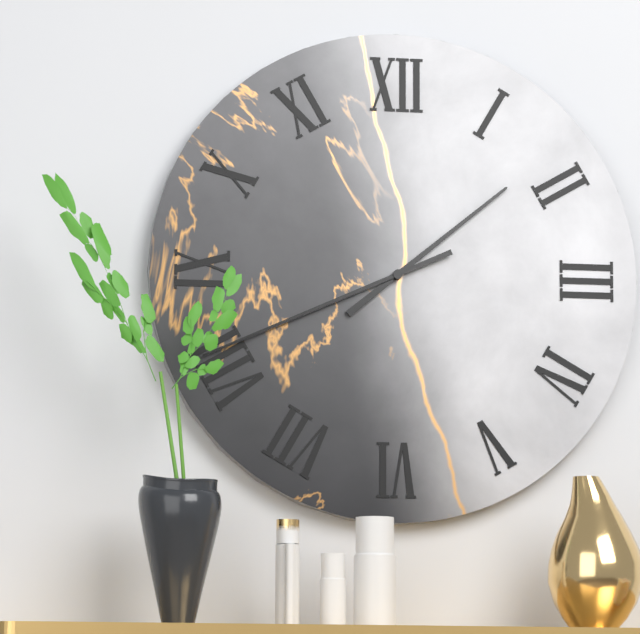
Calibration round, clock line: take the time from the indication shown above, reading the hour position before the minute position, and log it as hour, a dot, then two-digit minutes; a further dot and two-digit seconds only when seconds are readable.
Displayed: 1.41
